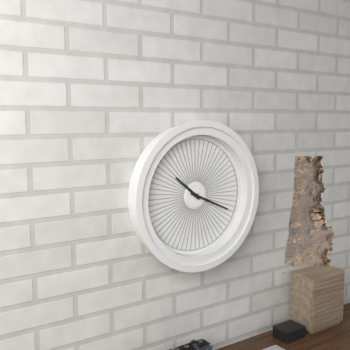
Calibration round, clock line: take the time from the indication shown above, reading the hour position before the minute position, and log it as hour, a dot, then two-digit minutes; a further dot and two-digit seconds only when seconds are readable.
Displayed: 10.19
